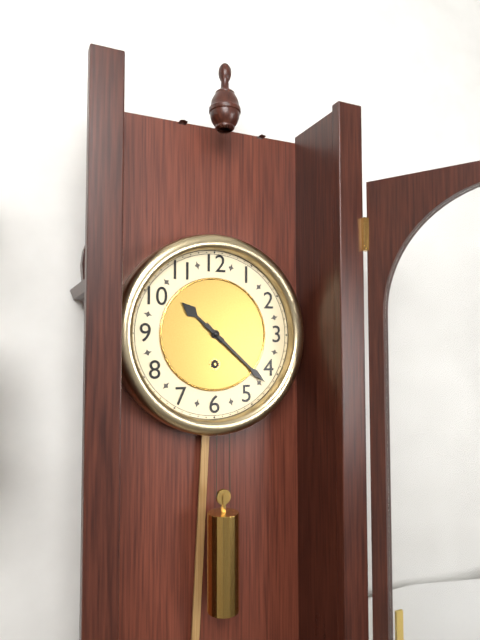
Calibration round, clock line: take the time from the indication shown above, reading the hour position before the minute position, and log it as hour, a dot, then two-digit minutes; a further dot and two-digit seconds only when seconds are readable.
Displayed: 10.22
